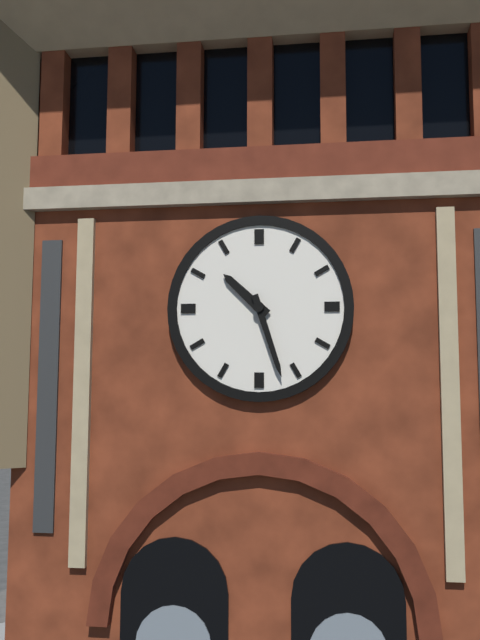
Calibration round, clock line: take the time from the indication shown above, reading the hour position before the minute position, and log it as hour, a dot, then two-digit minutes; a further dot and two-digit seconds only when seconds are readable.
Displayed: 10.27
